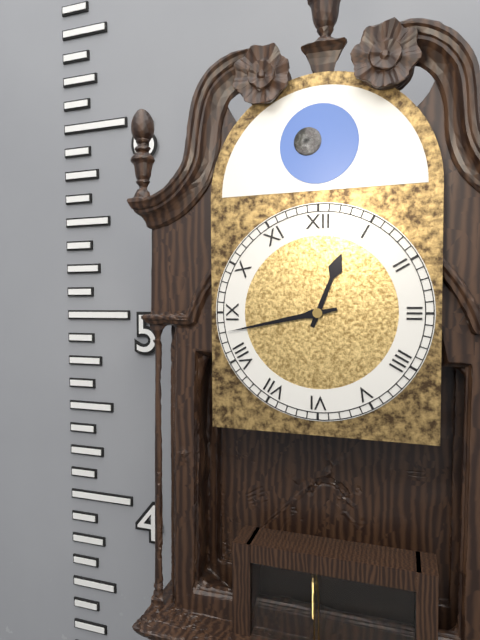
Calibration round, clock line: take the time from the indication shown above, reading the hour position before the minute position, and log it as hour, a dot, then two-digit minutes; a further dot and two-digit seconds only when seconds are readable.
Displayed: 12.43
